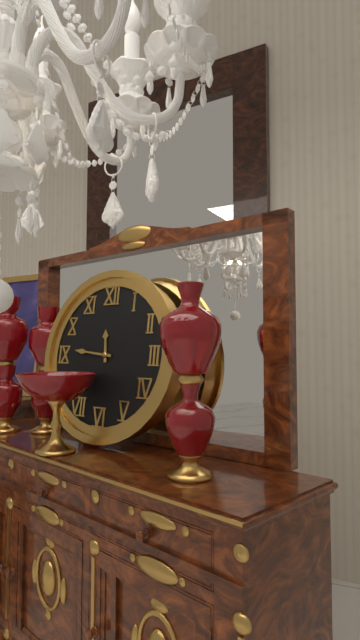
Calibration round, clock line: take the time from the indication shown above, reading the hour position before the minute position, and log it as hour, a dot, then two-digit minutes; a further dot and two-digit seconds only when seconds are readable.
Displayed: 11.46
